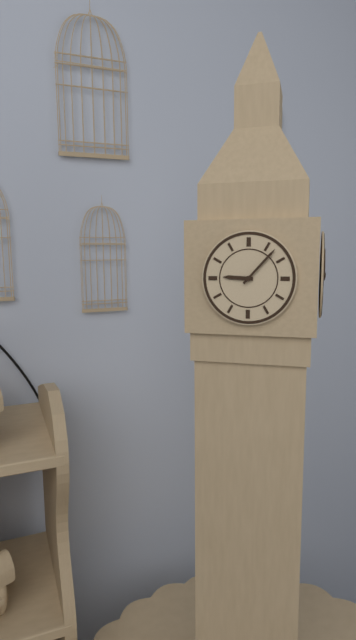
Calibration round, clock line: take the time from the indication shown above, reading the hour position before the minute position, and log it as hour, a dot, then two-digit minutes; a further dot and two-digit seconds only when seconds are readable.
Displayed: 9.07
